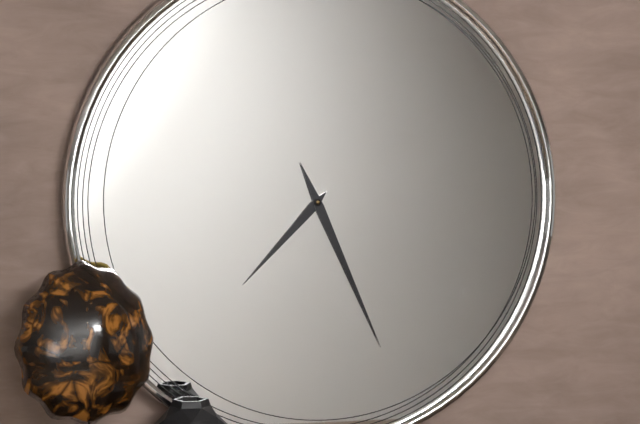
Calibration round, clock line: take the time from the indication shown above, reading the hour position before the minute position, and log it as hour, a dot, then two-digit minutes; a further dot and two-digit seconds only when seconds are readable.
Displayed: 7.26
